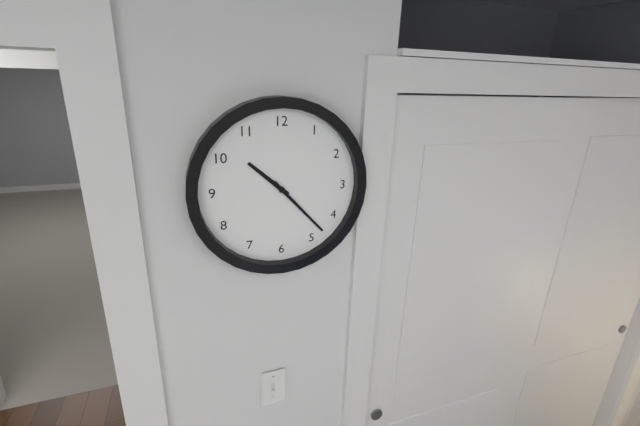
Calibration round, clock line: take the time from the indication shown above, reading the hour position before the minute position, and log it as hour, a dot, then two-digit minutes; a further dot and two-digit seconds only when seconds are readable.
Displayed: 10.23
